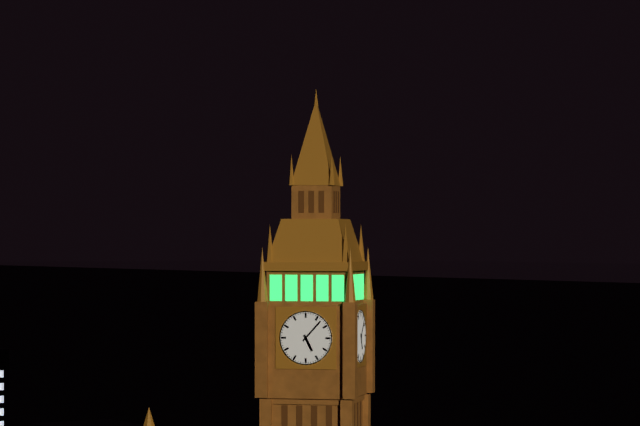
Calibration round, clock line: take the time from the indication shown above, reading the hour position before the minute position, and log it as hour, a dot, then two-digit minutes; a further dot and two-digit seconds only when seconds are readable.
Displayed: 5.07
